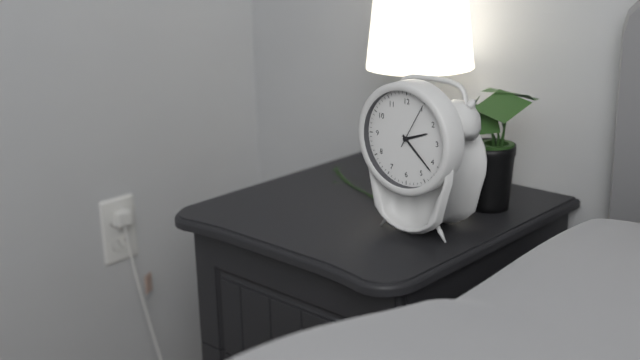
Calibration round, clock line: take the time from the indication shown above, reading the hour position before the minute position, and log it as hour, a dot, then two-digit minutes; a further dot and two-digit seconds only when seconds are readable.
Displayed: 2.22
